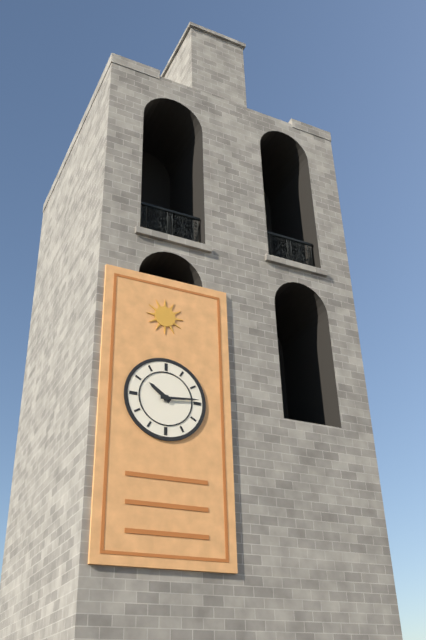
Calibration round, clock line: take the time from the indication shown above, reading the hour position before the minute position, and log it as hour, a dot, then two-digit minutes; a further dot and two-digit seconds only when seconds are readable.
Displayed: 10.14
